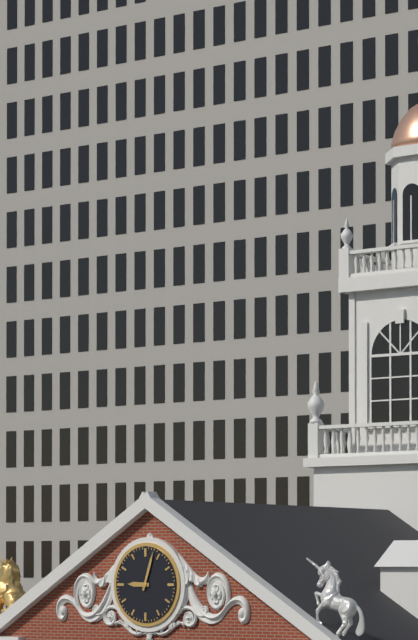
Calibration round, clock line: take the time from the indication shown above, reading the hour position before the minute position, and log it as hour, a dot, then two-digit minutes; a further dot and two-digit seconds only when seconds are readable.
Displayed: 9.03
